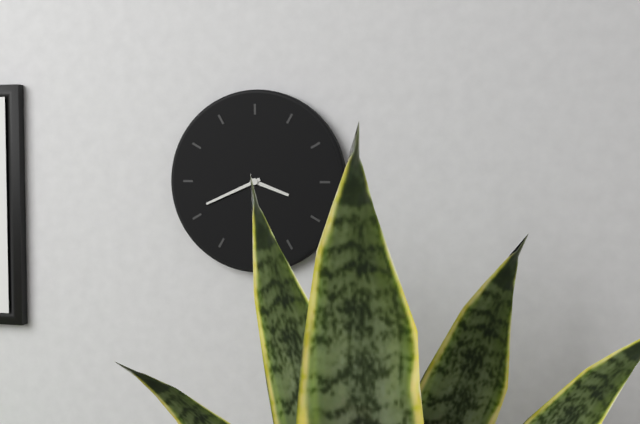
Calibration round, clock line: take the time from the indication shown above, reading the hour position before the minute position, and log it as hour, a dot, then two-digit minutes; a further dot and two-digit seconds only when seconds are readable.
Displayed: 3.41
